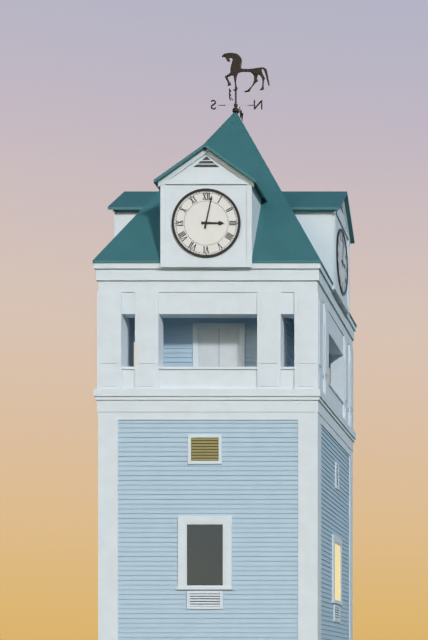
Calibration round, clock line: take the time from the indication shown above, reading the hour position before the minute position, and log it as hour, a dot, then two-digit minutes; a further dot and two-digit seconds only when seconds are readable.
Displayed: 3.02
